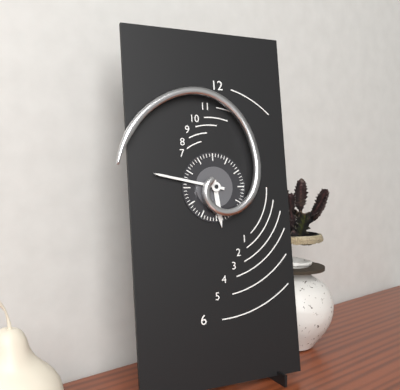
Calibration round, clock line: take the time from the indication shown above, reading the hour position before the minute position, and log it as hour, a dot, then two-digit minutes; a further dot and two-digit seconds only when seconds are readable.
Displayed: 5.47
